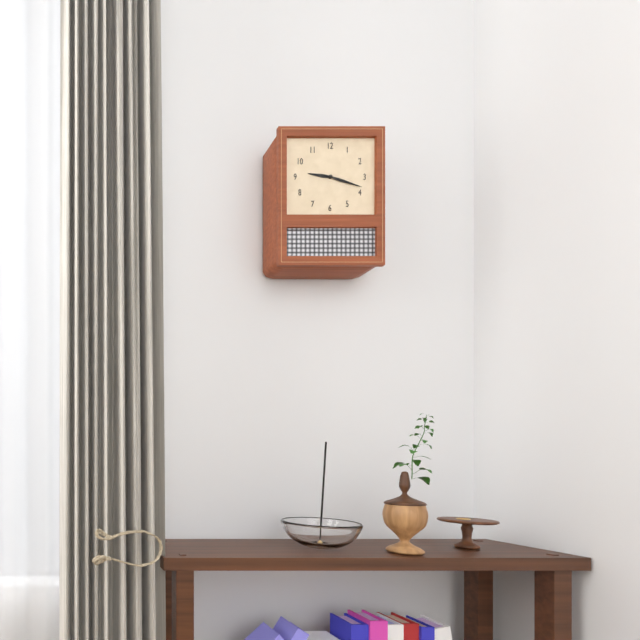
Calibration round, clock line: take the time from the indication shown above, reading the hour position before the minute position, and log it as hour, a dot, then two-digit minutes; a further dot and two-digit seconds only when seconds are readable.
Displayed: 9.18
